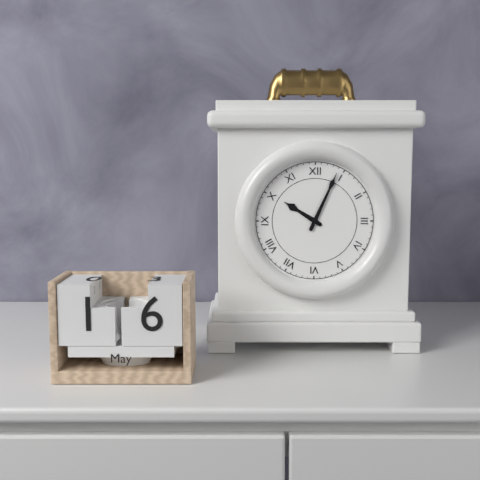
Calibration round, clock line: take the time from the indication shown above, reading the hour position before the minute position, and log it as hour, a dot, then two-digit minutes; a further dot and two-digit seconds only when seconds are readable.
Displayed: 10.04
